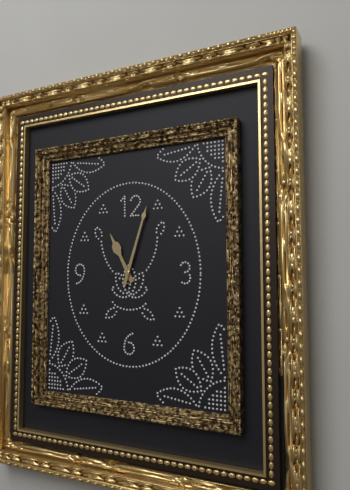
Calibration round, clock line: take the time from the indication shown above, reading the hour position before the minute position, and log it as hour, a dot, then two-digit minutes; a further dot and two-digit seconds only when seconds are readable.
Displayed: 11.03
